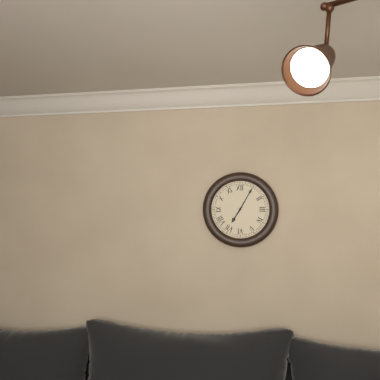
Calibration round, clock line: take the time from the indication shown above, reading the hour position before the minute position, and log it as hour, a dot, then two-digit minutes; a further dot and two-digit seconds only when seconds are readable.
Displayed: 7.05
